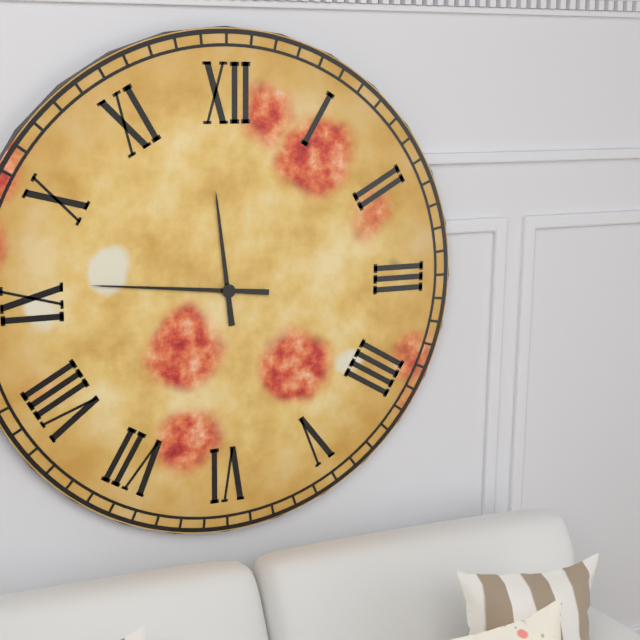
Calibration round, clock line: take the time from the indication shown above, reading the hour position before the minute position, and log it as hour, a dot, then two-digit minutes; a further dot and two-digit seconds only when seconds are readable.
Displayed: 11.46
